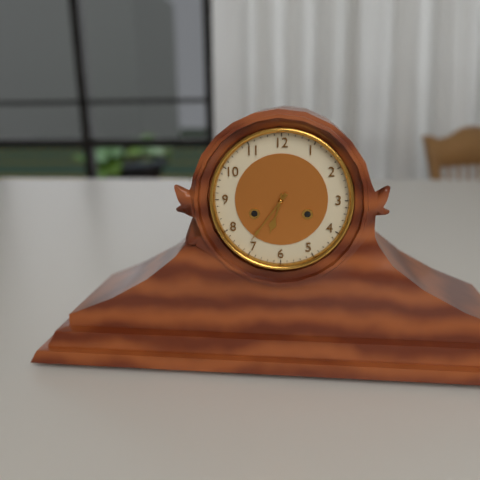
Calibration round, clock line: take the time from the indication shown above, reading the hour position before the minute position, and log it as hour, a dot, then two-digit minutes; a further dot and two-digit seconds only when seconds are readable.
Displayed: 6.36
